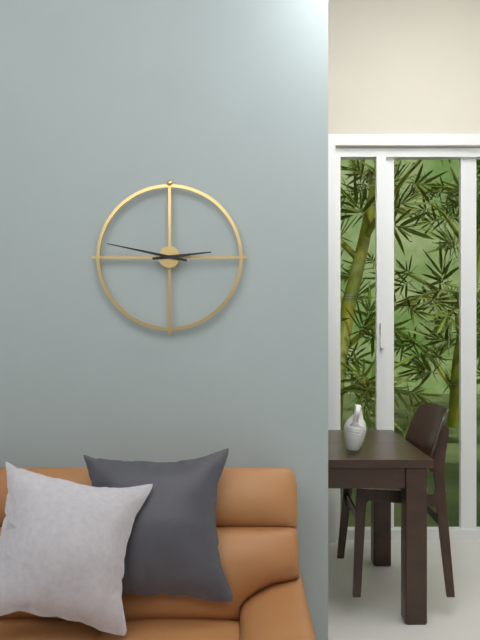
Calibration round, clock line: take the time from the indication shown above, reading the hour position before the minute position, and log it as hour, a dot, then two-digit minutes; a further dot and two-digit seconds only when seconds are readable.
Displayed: 2.47
